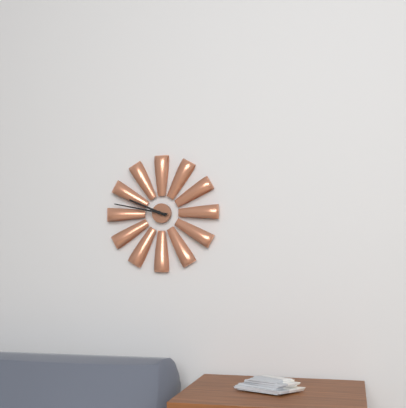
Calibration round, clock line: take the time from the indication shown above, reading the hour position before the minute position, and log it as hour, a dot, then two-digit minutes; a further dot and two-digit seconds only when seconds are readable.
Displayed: 9.47
